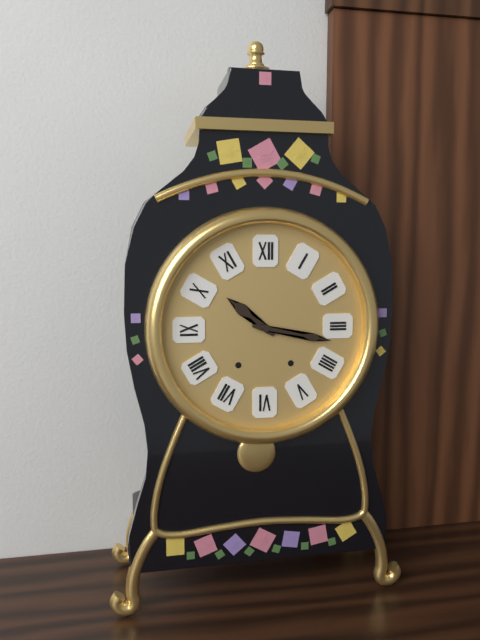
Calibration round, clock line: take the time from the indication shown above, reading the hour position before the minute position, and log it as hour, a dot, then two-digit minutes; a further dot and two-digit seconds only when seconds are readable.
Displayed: 10.17
